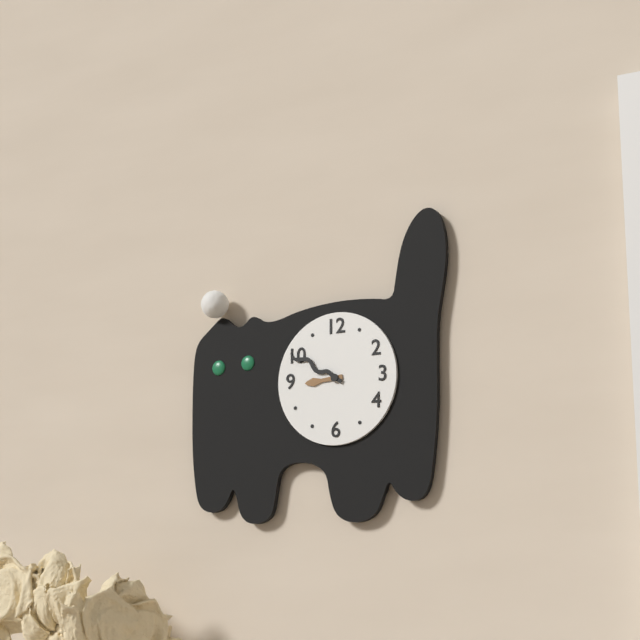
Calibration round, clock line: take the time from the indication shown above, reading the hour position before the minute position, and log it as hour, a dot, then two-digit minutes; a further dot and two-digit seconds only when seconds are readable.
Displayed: 8.50
